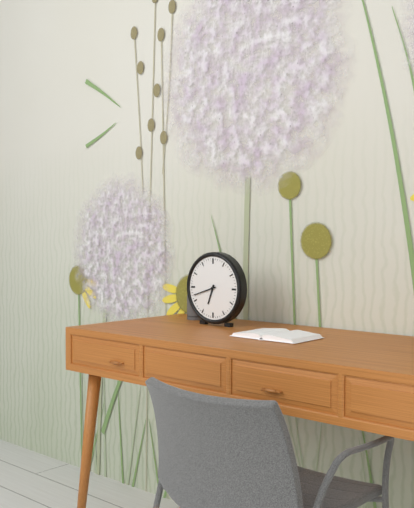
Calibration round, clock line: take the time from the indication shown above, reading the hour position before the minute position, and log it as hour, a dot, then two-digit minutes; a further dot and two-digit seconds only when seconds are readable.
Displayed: 6.42
